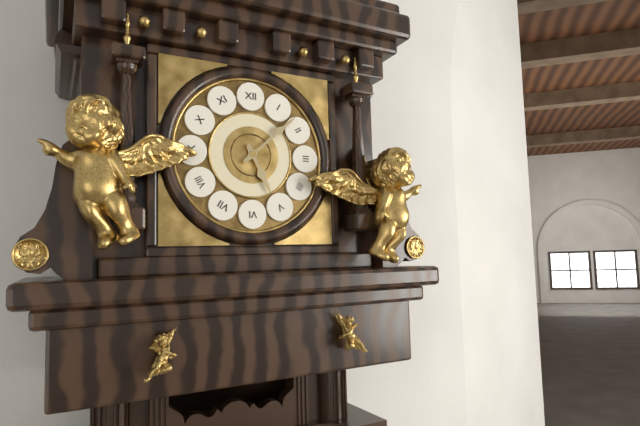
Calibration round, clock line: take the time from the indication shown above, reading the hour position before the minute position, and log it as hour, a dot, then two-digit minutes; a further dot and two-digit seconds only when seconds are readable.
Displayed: 5.08
